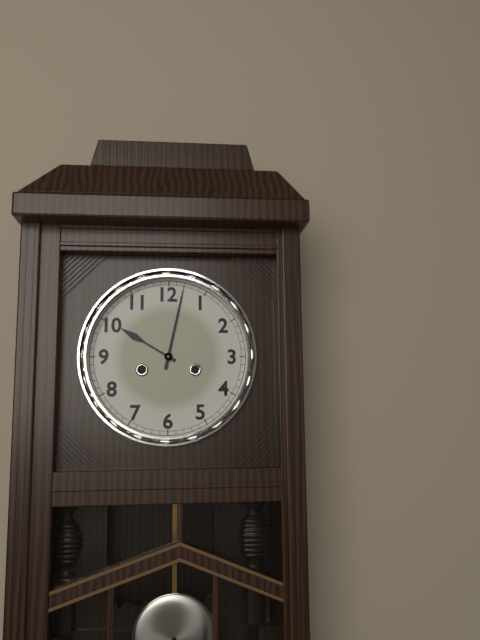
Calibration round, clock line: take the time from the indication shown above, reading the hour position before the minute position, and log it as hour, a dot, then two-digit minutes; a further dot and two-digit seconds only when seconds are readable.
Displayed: 10.02
